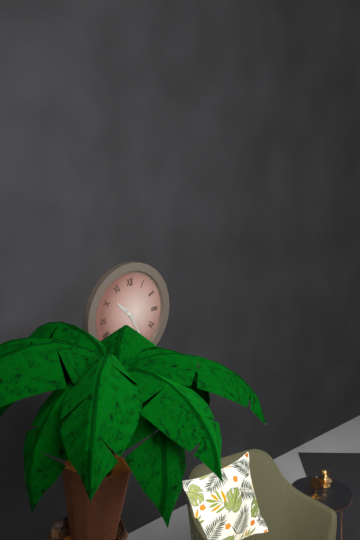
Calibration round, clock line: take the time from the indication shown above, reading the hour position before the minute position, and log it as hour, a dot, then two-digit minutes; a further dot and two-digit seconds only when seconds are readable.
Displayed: 10.25
